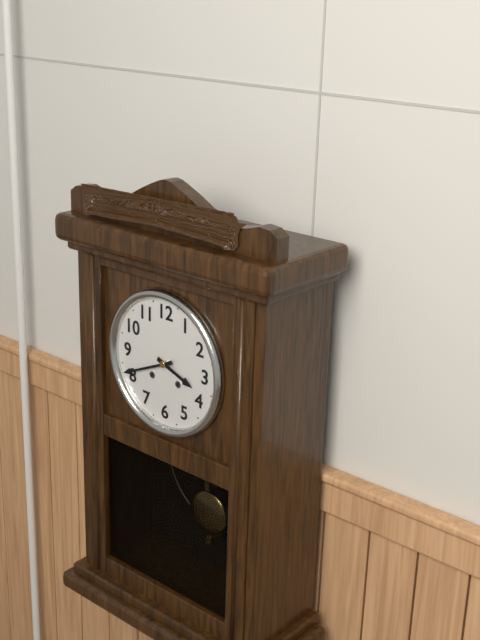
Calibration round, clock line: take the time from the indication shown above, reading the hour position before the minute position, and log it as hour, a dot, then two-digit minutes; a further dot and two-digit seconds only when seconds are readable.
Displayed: 3.41
